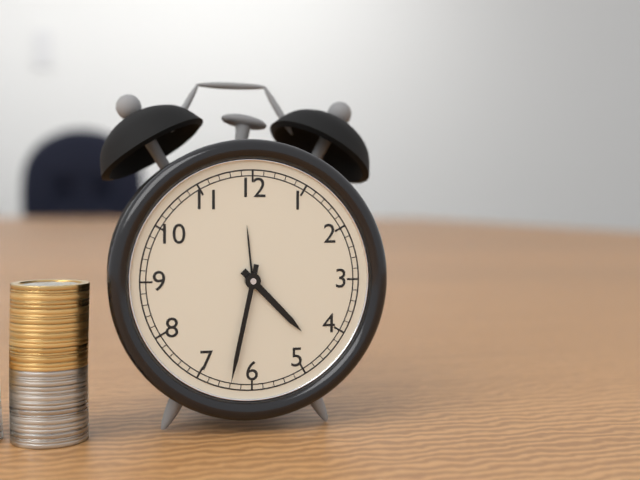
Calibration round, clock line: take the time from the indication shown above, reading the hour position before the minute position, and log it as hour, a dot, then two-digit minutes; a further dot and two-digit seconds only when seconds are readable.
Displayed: 4.32
